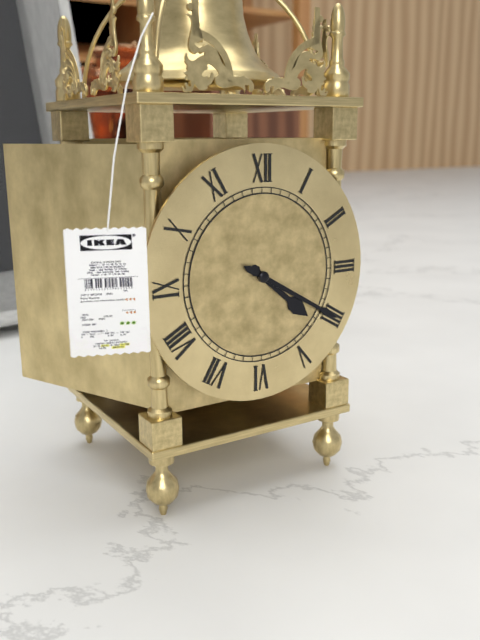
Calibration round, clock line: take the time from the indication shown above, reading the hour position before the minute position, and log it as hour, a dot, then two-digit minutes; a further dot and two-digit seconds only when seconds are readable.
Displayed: 4.20
